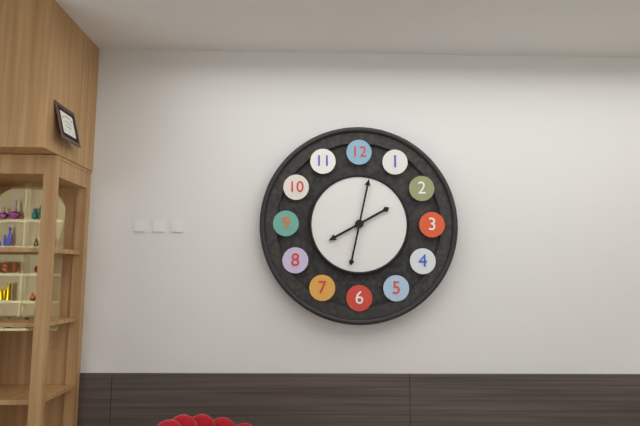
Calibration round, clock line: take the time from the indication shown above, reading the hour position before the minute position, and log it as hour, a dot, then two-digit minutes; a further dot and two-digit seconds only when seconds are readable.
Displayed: 8.02
